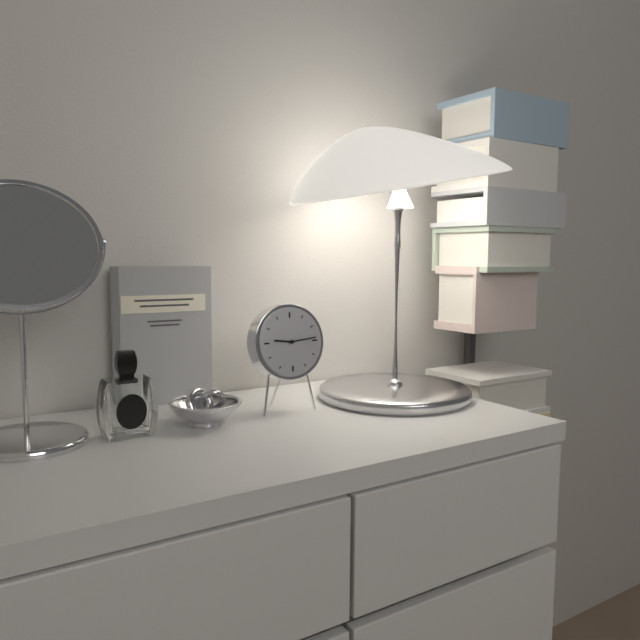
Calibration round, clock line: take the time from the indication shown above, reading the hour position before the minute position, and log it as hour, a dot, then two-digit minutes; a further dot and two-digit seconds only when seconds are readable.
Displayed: 9.14
